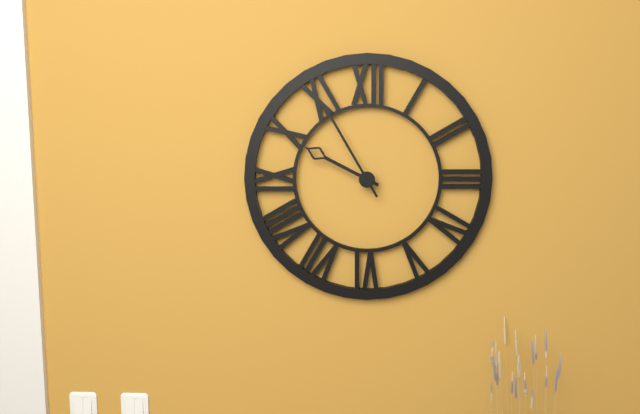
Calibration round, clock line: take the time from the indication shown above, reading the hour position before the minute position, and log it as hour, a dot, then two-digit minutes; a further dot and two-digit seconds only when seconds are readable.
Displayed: 9.55
